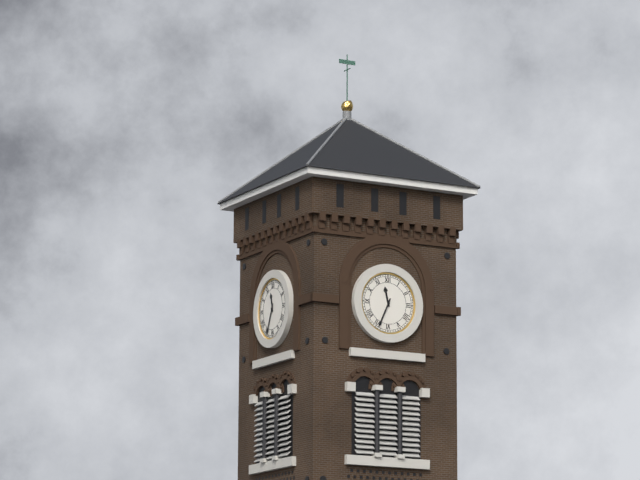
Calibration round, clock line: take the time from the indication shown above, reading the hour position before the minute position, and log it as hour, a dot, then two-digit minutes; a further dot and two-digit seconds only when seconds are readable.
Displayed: 11.34
